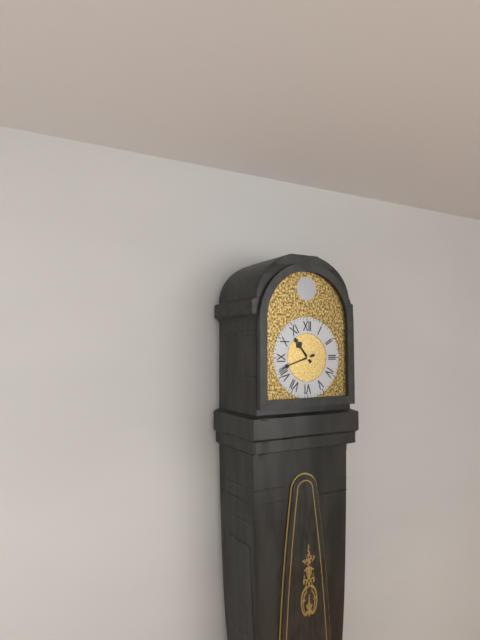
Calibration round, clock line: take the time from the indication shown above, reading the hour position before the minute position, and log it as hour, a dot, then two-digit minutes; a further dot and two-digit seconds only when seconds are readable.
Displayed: 10.42
